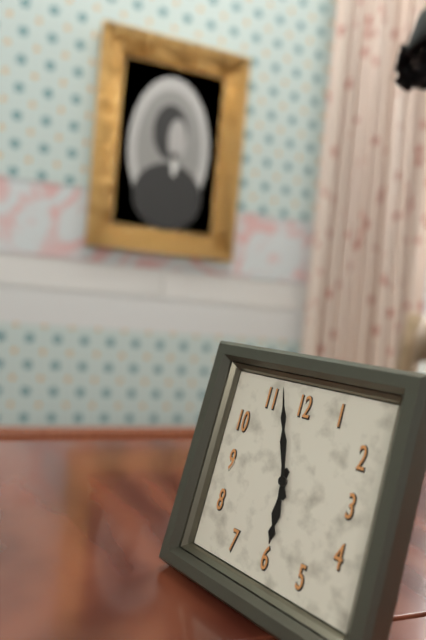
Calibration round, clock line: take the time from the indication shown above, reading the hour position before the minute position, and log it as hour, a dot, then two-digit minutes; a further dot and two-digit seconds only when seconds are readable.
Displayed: 5.57
